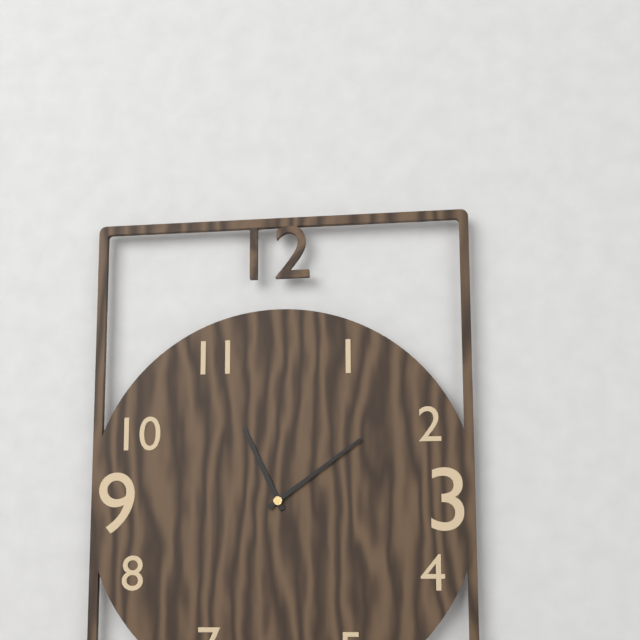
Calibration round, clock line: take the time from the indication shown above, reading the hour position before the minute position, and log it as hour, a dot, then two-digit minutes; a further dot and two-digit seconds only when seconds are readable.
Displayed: 11.09
